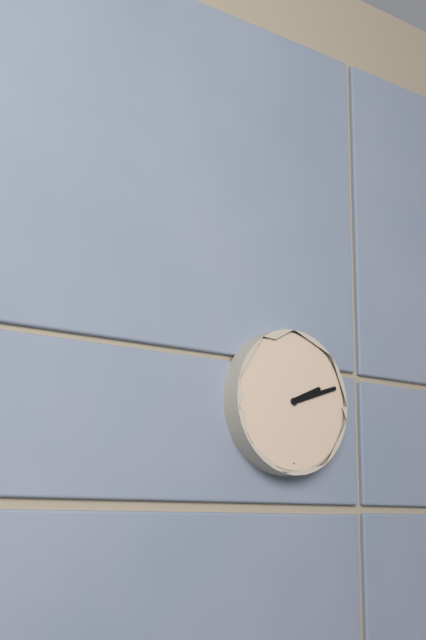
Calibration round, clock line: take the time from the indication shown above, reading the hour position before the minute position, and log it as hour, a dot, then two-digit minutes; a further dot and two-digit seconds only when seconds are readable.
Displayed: 2.12
